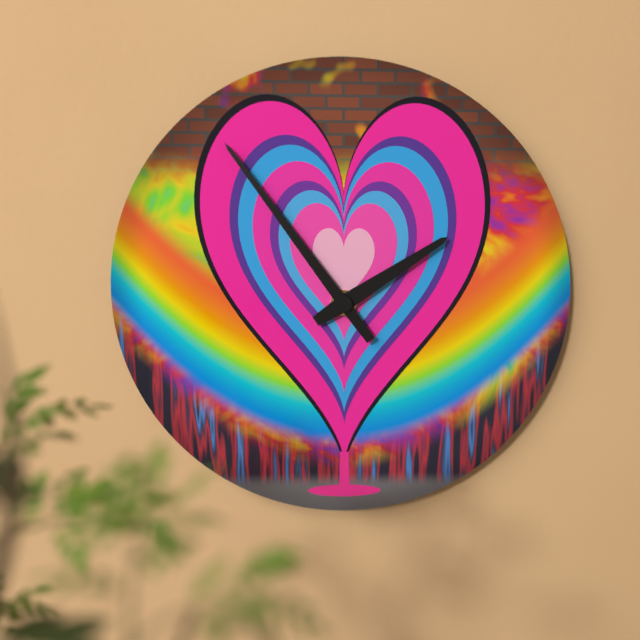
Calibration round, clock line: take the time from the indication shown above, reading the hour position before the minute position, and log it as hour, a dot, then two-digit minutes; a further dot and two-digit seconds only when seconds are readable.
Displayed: 1.54
